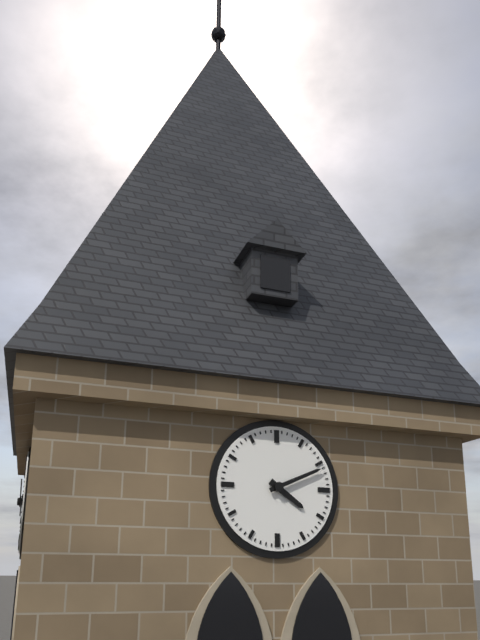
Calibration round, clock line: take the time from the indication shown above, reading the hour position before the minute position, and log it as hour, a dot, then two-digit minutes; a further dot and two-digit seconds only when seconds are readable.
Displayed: 4.11
